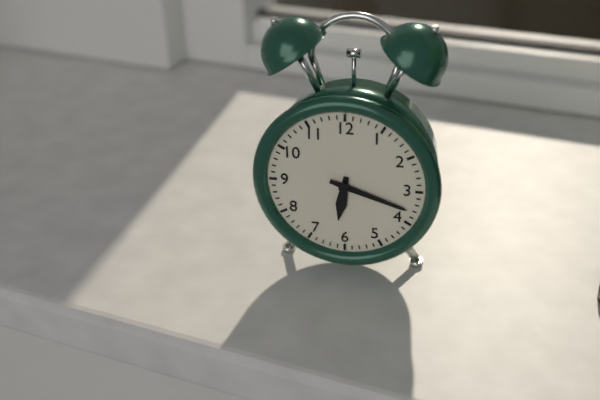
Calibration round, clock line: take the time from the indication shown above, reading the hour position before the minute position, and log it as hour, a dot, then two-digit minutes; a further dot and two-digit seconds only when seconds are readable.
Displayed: 6.18
